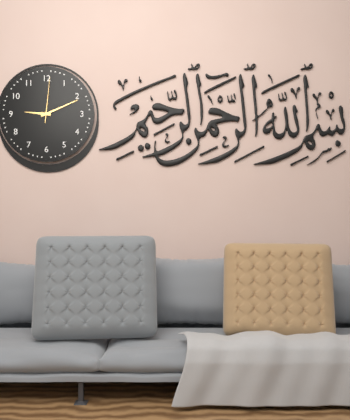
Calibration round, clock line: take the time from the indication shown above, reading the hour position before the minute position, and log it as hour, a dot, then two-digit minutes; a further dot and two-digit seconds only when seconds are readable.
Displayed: 9.11
